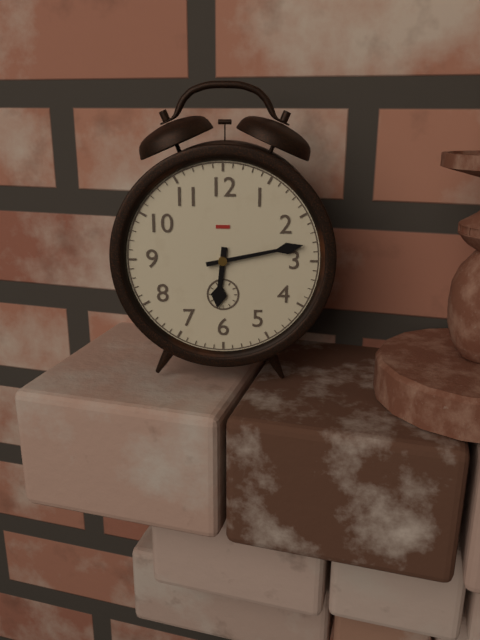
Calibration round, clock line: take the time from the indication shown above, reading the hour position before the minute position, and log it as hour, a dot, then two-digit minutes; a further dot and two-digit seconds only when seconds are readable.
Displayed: 6.13
